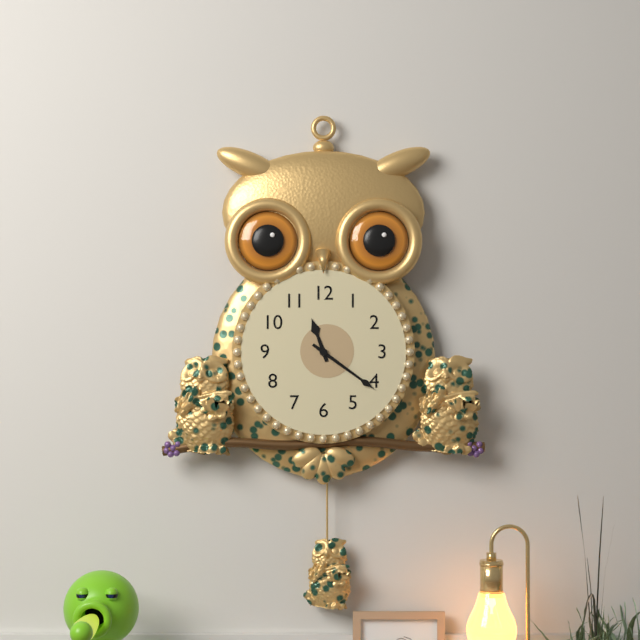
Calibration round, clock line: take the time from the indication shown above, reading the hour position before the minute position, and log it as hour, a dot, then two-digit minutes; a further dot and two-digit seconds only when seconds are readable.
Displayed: 11.21
